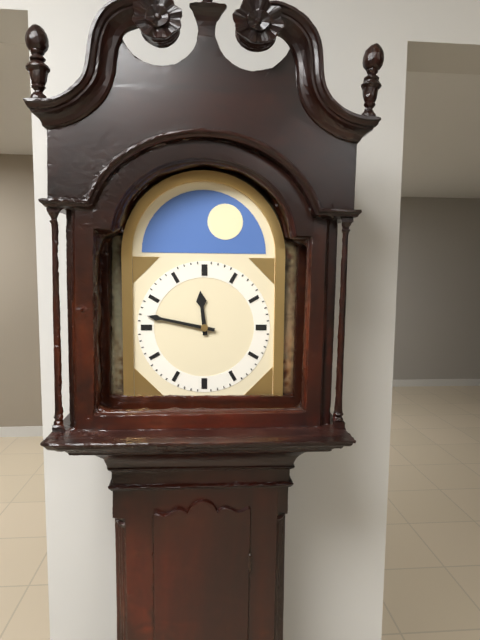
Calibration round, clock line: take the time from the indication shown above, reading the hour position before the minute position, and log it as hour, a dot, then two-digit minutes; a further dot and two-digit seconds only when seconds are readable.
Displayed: 11.47
